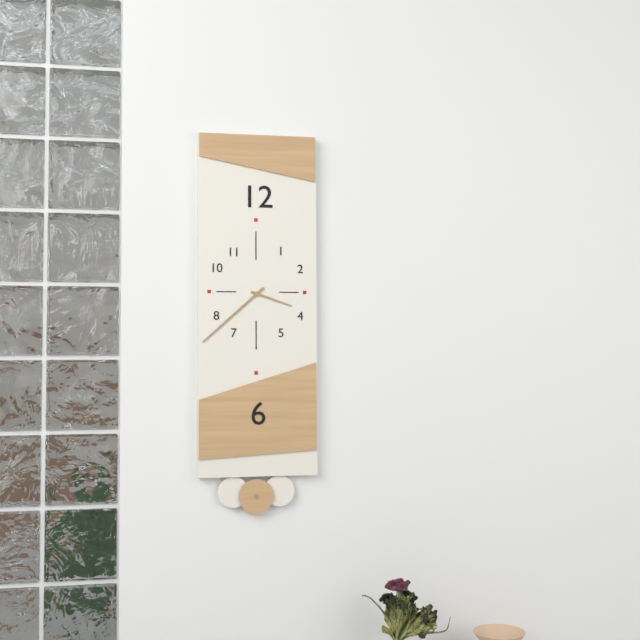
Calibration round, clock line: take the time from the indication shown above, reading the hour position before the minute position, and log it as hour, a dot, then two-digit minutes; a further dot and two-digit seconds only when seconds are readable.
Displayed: 3.38
